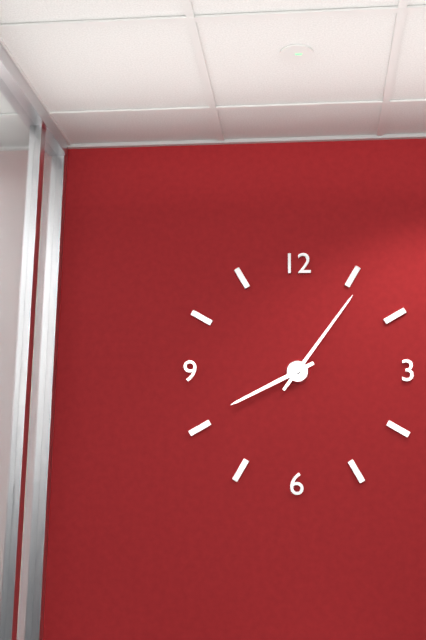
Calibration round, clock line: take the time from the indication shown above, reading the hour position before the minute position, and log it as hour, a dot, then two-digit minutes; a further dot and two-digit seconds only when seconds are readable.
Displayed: 8.06
